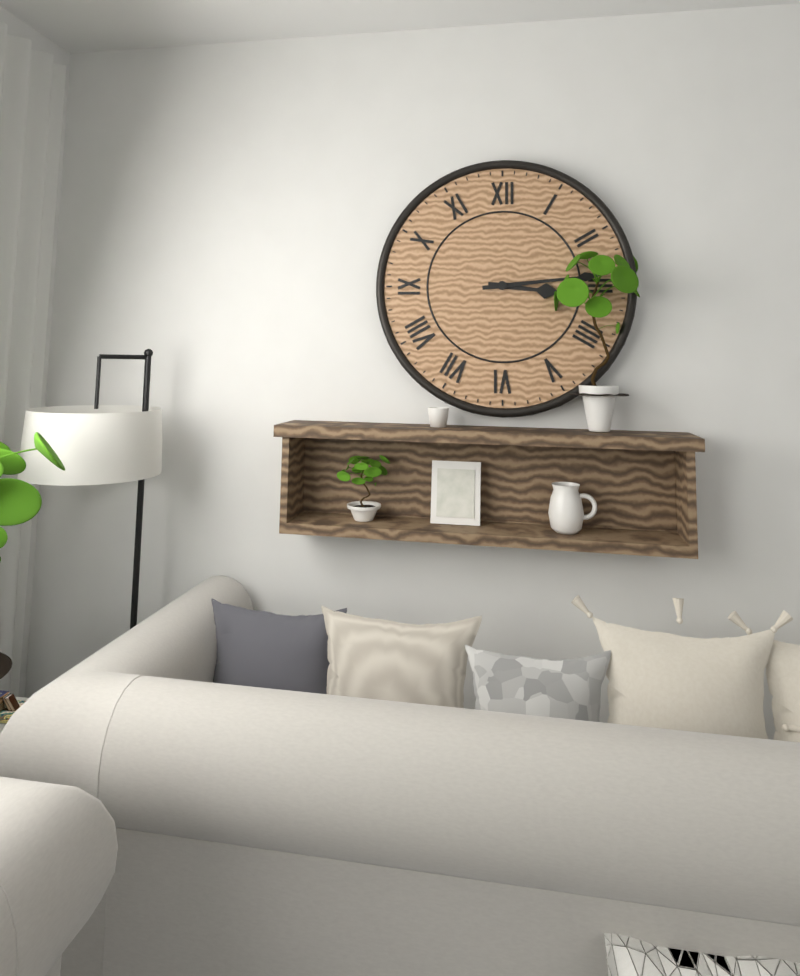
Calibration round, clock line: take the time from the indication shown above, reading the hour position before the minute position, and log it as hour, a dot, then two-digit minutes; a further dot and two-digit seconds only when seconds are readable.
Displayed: 3.14
